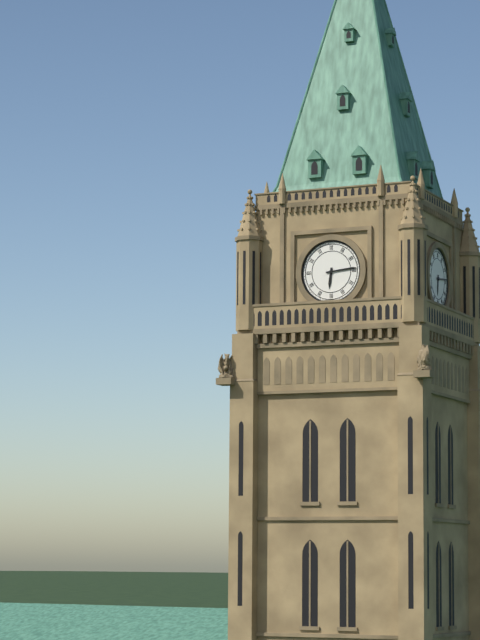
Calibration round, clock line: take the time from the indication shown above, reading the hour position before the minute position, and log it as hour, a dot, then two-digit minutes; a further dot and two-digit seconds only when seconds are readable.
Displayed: 6.14
